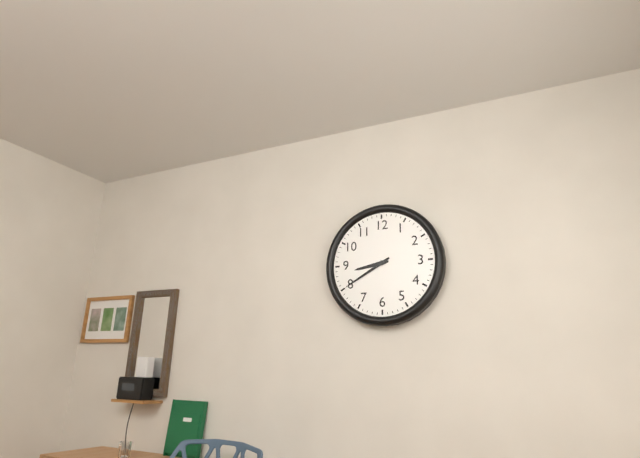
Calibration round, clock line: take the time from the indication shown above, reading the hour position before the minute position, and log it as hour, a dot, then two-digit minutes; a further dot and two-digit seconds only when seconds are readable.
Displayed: 8.40
